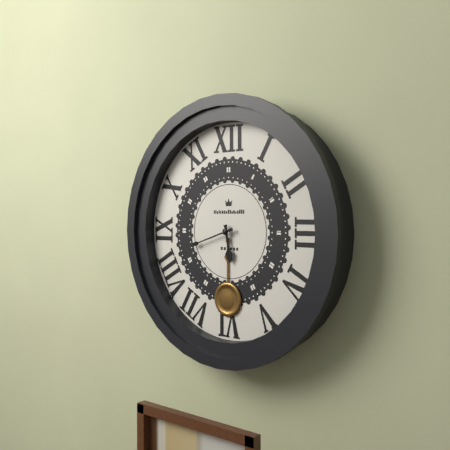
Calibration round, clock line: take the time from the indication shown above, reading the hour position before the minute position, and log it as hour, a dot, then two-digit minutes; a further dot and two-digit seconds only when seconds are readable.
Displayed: 5.42
